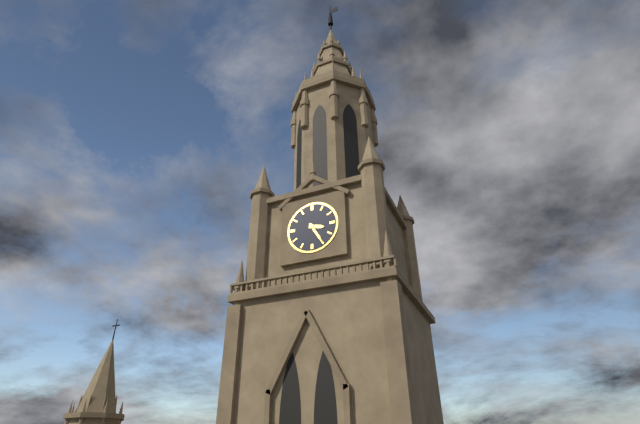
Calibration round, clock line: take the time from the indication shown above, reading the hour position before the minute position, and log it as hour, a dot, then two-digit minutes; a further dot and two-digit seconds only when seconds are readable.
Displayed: 3.25
